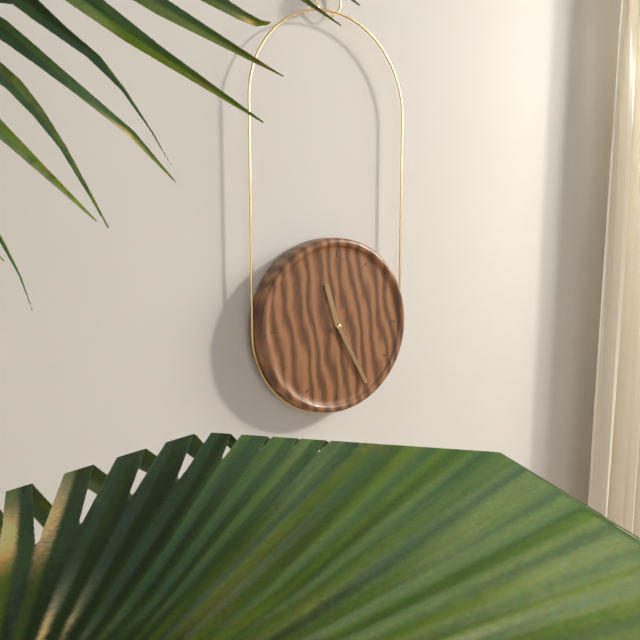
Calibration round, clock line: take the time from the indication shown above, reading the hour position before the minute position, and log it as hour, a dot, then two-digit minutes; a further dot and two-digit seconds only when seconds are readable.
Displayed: 11.25
